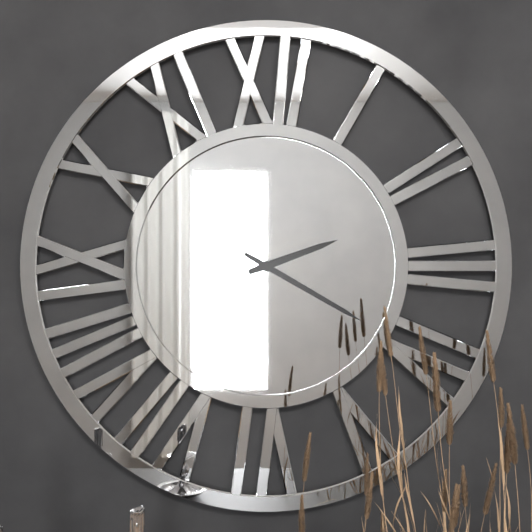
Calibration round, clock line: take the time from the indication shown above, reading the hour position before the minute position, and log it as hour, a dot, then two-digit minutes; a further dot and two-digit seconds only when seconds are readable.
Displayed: 2.20
